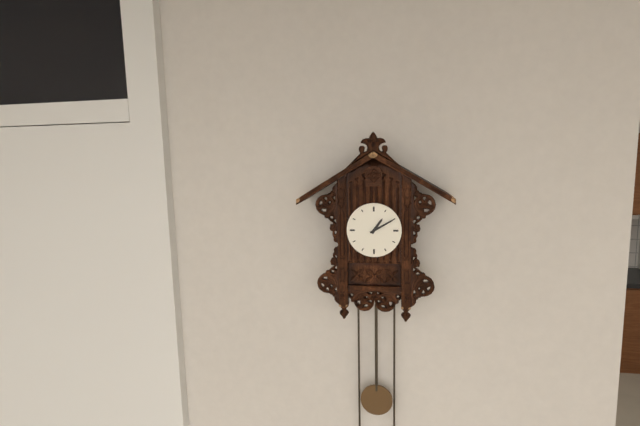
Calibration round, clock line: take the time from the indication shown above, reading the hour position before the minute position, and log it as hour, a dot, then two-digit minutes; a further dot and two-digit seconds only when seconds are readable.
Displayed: 1.10
